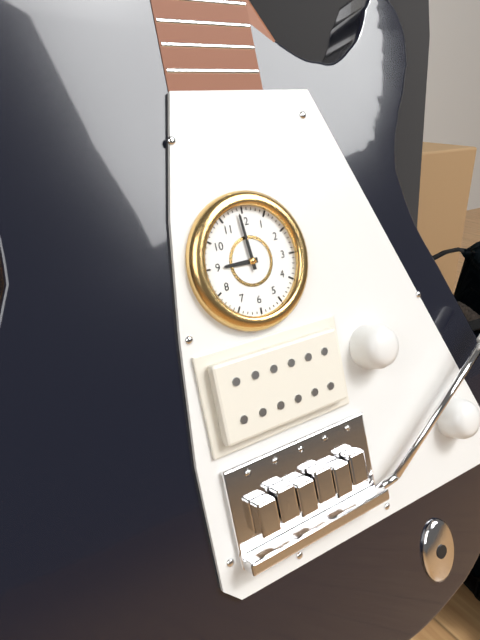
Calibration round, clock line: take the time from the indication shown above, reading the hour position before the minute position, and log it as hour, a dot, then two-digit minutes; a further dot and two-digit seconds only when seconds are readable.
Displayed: 8.59
